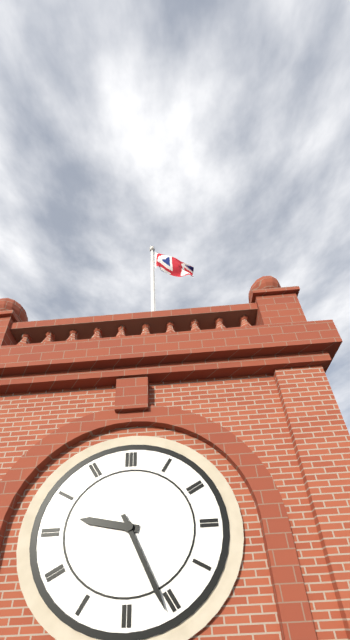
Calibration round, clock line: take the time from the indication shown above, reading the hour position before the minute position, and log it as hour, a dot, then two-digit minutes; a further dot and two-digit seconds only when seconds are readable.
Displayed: 9.26
